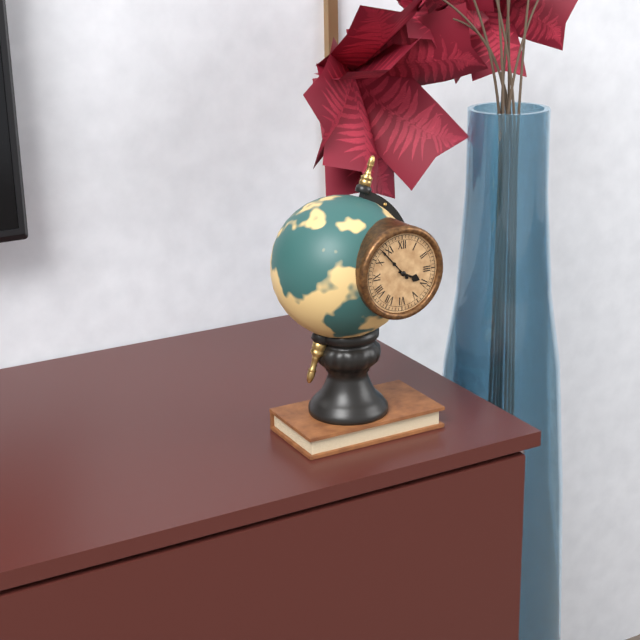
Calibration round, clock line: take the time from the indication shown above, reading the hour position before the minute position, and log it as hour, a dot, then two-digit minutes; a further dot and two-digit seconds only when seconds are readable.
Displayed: 3.53
